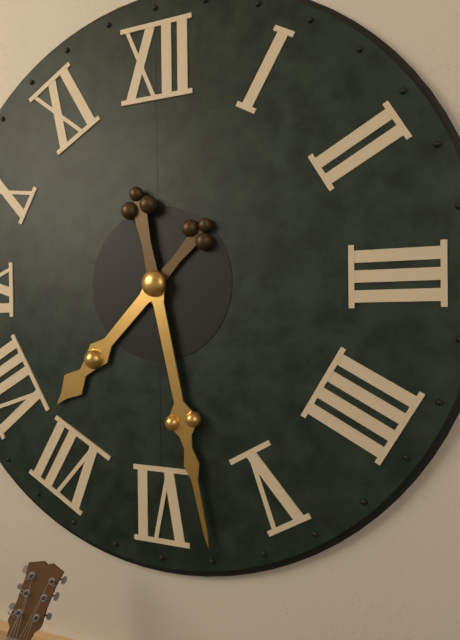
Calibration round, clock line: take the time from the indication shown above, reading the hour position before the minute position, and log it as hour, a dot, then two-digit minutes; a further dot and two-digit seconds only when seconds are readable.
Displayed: 7.28
